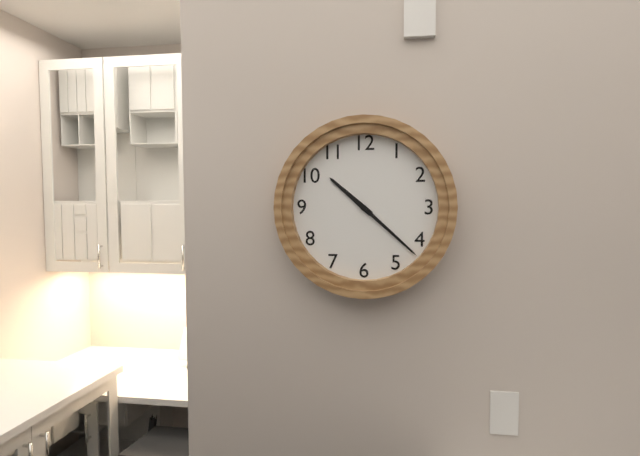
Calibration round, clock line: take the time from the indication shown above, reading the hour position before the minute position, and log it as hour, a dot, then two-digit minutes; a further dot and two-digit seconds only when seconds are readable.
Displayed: 10.22
